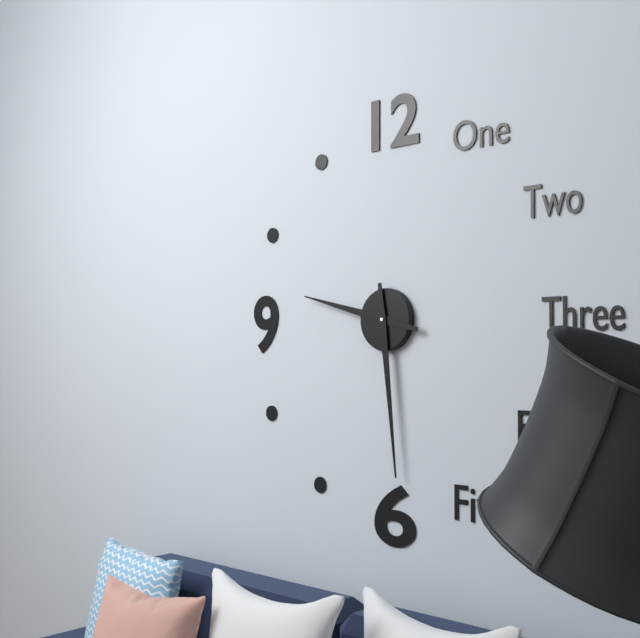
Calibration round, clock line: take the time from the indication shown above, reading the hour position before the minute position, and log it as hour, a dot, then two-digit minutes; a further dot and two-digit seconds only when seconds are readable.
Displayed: 9.29
